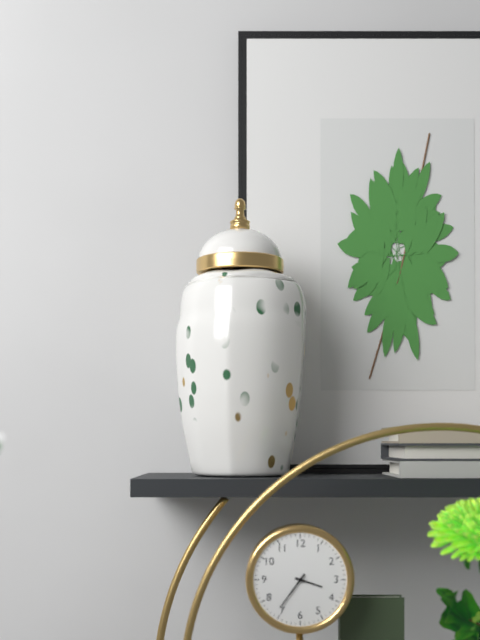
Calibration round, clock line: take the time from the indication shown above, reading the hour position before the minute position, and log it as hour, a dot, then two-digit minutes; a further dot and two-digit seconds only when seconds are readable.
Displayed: 3.36
